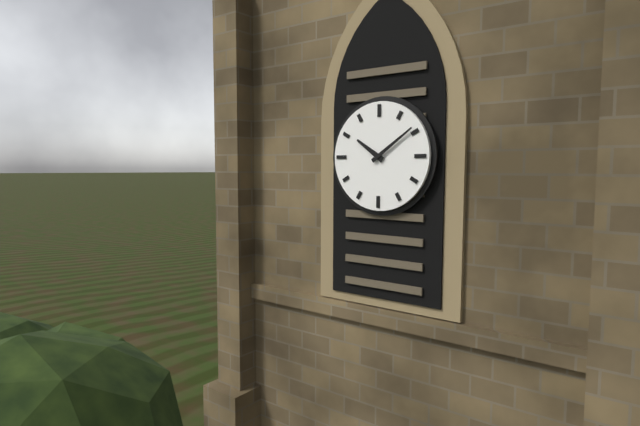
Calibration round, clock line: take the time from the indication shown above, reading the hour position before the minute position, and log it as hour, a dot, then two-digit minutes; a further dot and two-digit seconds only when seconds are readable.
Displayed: 10.09
